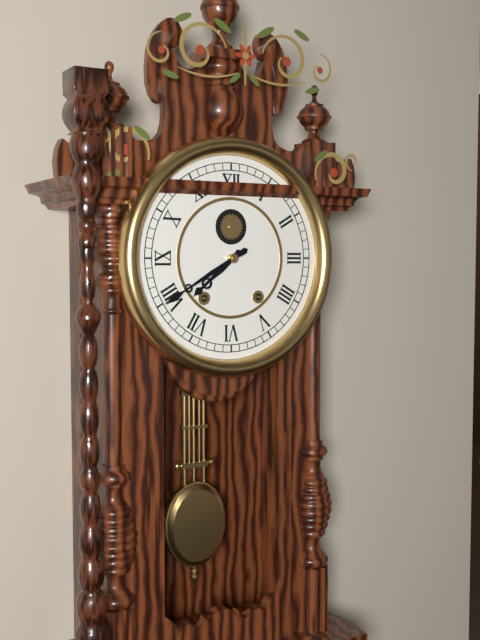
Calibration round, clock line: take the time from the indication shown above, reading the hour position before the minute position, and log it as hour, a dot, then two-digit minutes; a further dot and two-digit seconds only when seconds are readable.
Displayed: 7.40
